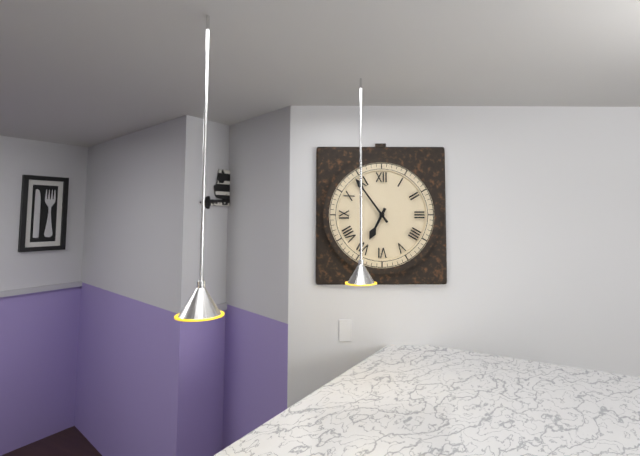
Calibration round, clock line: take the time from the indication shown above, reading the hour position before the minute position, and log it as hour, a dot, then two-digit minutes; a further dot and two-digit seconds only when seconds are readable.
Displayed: 6.54
